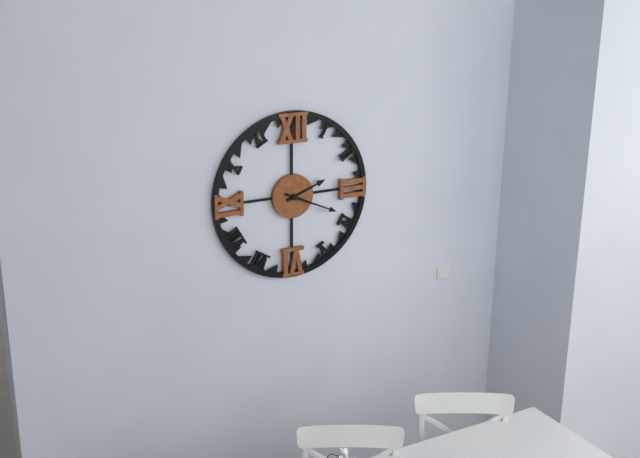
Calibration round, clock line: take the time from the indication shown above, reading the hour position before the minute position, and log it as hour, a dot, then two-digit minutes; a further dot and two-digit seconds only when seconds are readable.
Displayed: 2.19
